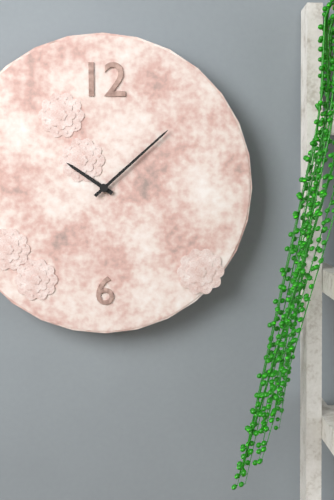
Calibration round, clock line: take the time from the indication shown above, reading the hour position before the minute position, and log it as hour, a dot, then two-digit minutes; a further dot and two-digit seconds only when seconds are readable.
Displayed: 10.08
